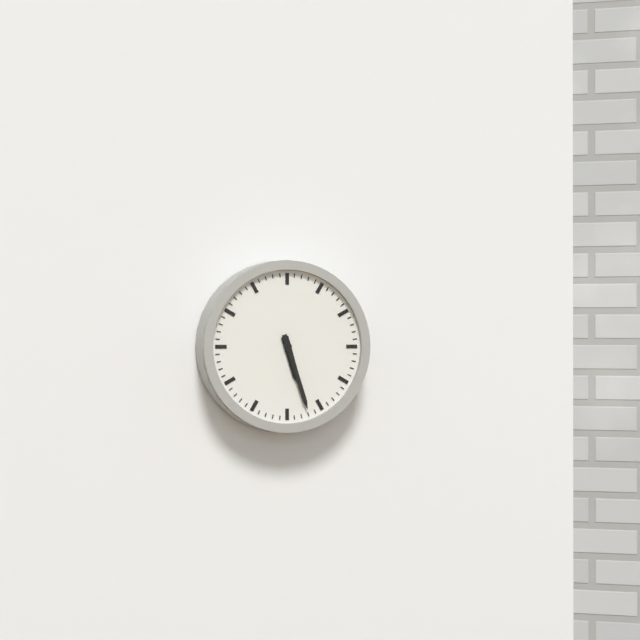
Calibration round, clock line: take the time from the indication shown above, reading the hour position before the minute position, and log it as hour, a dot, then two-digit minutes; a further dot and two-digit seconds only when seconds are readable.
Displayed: 5.27
